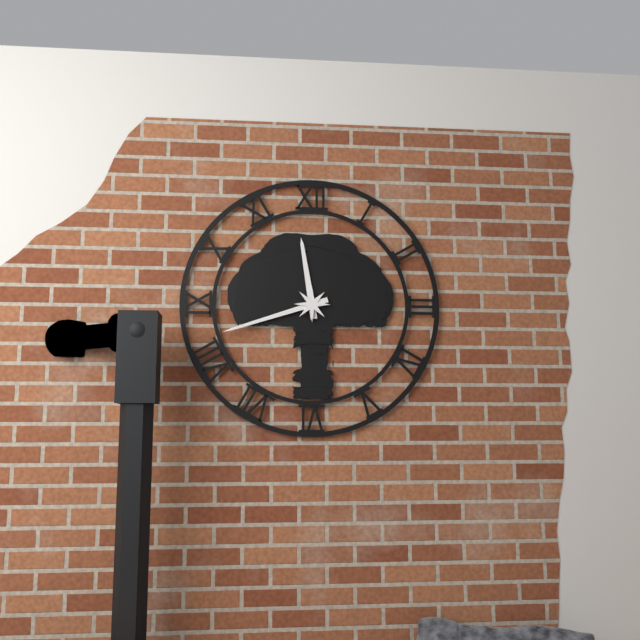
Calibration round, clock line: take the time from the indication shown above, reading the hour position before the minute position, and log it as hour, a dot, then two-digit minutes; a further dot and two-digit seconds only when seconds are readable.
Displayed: 11.42
